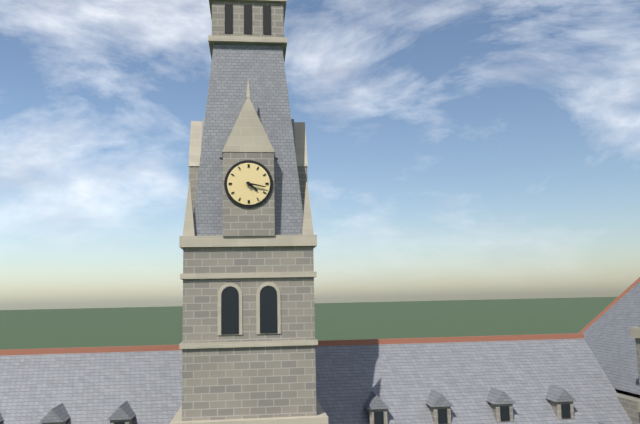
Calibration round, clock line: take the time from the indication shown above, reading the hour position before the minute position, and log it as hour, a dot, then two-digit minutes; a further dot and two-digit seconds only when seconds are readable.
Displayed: 4.17
